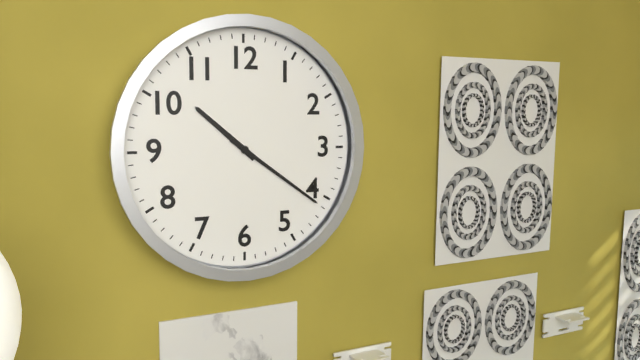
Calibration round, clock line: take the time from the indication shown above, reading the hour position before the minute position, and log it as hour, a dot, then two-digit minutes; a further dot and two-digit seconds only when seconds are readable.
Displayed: 10.21
